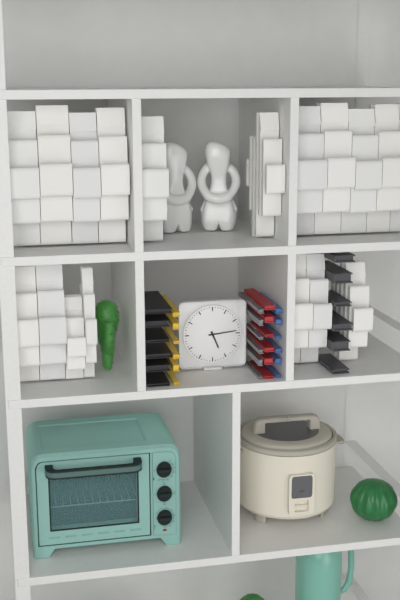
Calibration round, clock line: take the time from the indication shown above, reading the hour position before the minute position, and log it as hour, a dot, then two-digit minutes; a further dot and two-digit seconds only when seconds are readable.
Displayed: 5.14
